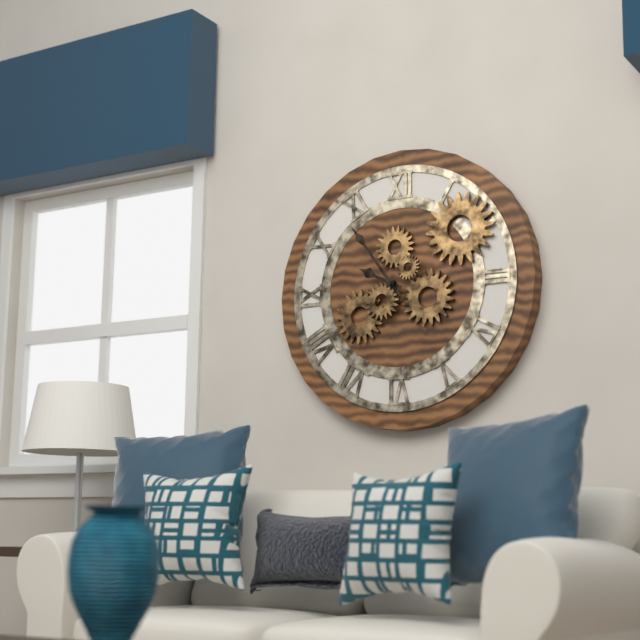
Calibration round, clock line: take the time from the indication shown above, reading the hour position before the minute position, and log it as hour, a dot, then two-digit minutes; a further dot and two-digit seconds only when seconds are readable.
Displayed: 9.54
